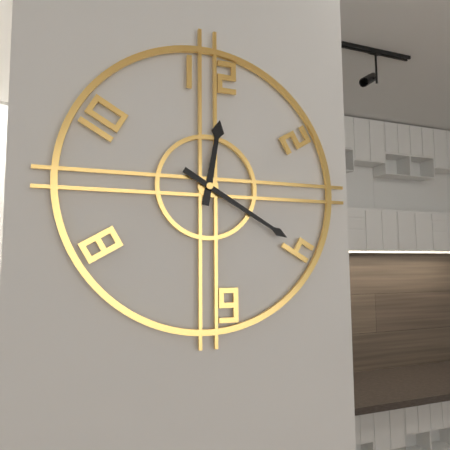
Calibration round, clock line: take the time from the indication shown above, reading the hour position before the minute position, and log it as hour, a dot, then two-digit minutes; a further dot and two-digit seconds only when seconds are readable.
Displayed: 12.20
